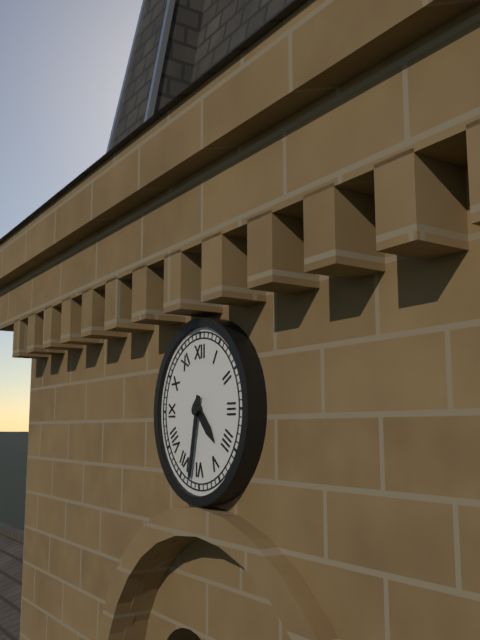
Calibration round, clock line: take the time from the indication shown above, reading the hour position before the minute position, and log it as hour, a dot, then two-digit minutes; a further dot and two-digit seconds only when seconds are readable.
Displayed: 4.32
